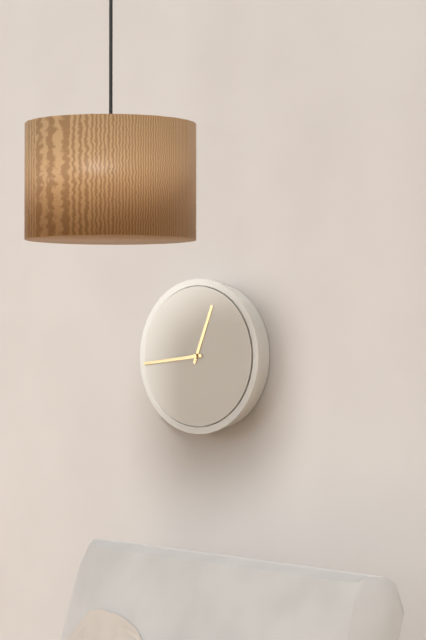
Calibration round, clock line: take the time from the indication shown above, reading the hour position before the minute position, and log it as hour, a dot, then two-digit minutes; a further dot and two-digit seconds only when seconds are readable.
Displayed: 12.44
